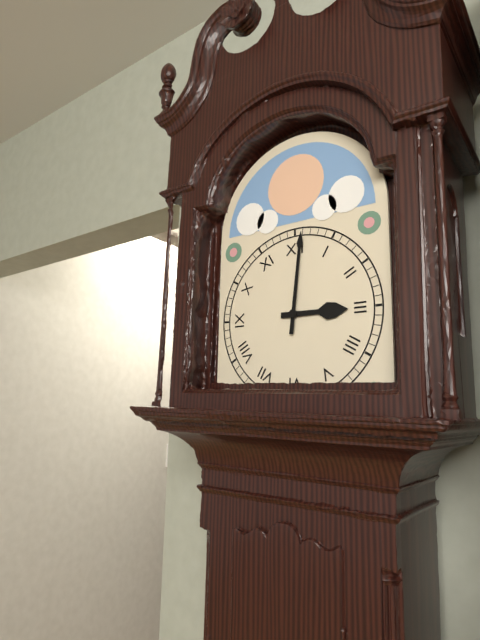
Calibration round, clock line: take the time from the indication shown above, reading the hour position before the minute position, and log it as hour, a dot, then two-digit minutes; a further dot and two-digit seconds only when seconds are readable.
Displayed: 3.01
